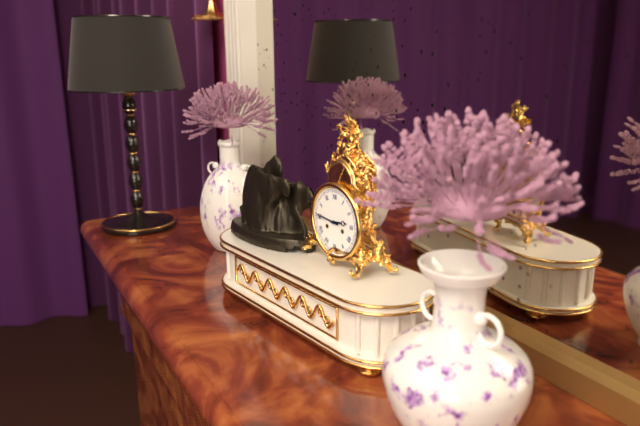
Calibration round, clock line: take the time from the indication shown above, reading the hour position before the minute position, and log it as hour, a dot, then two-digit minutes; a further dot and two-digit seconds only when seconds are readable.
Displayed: 2.46
